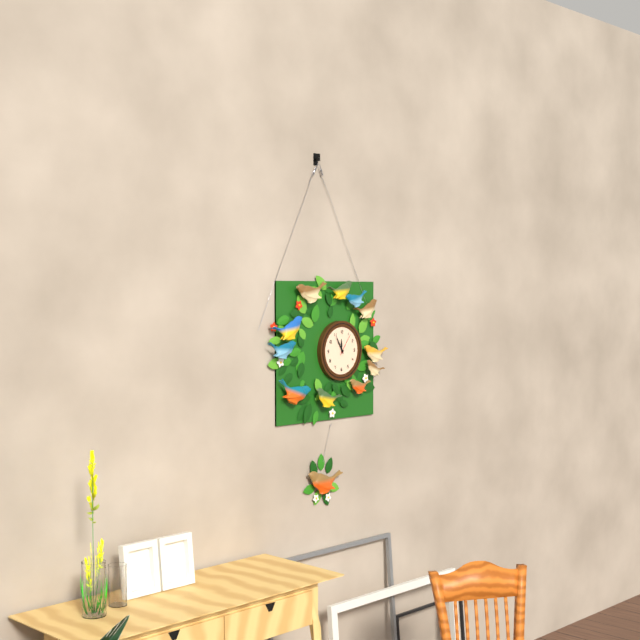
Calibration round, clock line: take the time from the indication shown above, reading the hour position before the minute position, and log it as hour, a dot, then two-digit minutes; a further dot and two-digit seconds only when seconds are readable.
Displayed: 11.55
